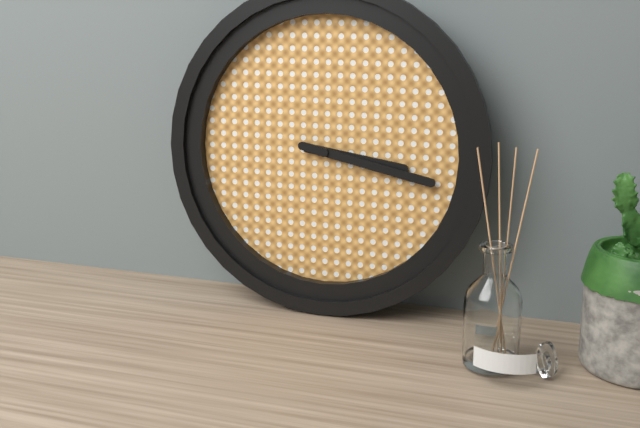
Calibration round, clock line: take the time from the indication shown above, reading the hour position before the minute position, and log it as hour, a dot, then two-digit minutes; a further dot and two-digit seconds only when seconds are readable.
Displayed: 3.17
